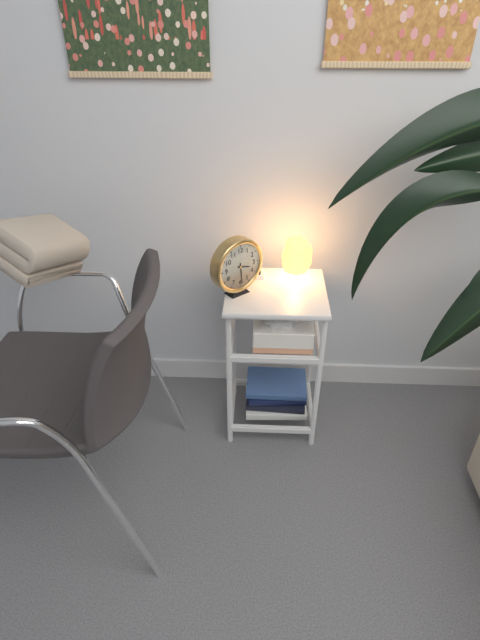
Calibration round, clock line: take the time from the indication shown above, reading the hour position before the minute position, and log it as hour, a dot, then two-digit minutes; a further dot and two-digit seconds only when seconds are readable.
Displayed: 3.29
